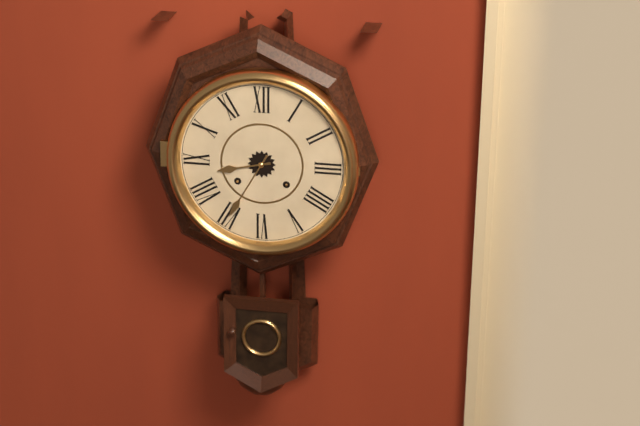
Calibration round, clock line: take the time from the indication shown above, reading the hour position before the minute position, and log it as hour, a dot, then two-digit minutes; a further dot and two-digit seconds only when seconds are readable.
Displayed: 8.35
